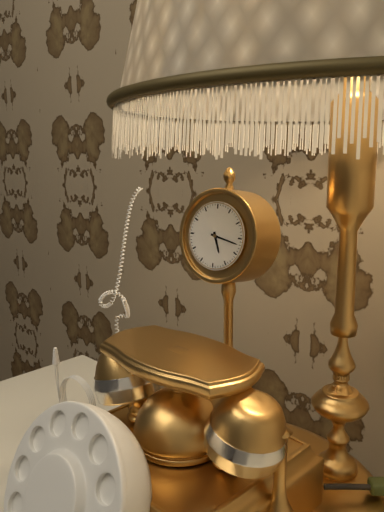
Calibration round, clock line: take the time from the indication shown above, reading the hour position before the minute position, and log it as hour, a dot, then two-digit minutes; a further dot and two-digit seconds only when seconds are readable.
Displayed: 5.17
